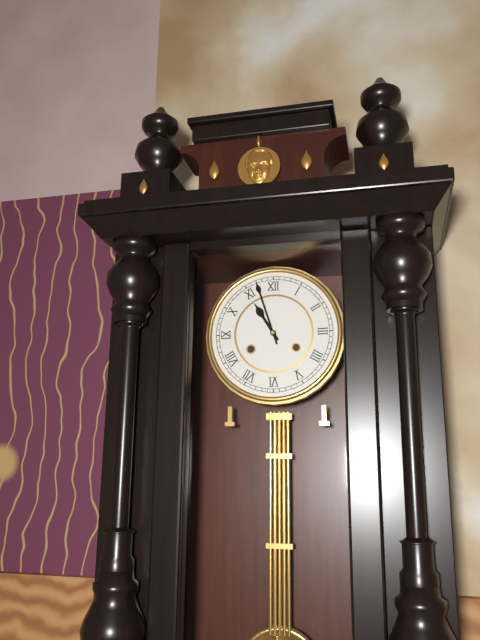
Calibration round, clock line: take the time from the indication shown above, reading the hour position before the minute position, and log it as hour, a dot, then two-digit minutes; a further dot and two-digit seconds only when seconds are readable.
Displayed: 10.57
